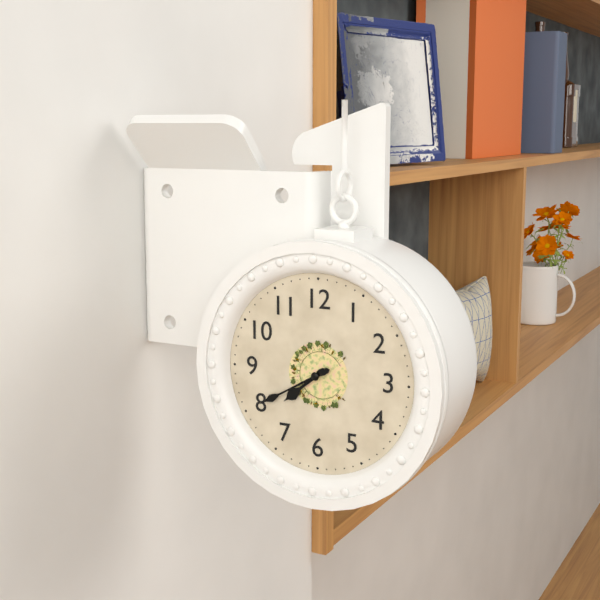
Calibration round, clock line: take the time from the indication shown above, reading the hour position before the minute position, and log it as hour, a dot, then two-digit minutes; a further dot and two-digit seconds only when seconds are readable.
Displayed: 7.40
